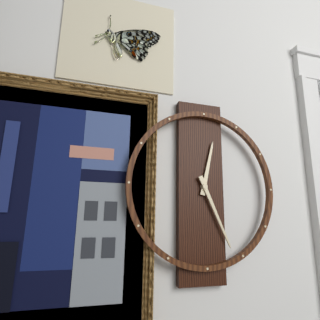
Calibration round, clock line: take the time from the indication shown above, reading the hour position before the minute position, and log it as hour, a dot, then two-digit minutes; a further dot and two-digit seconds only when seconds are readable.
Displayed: 12.26
